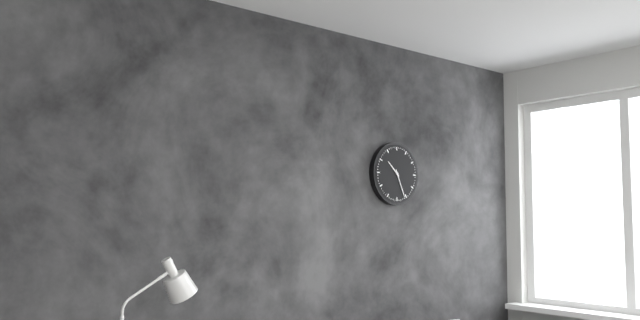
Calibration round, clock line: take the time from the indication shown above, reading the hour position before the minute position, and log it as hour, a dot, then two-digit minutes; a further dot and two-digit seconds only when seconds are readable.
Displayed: 10.26
